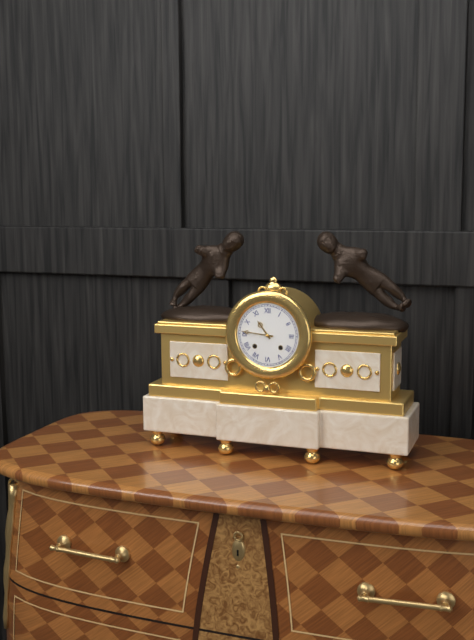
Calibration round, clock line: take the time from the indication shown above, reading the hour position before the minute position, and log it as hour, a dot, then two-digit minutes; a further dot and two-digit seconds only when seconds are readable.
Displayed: 10.46
